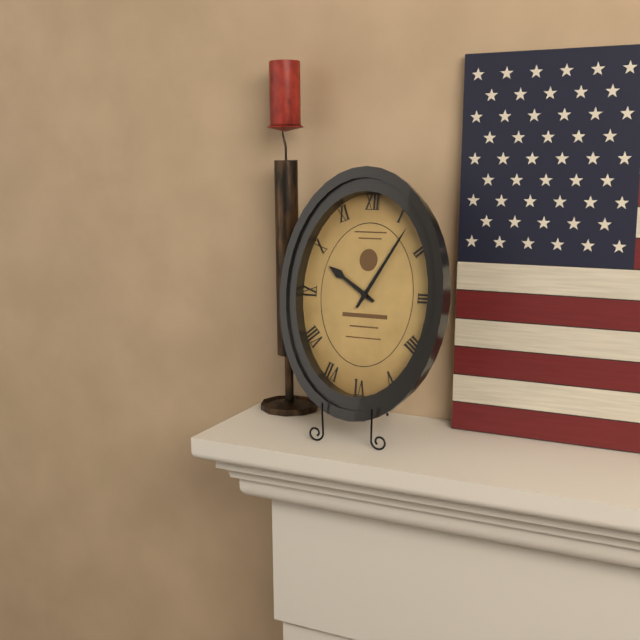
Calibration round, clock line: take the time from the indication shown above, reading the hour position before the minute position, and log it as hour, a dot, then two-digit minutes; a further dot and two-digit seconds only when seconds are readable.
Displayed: 10.05
